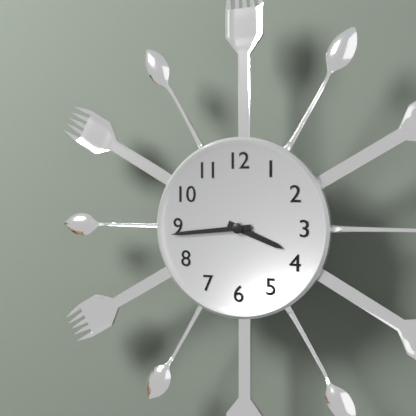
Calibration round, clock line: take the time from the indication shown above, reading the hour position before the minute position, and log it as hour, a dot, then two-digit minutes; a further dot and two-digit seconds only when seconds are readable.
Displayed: 3.44
